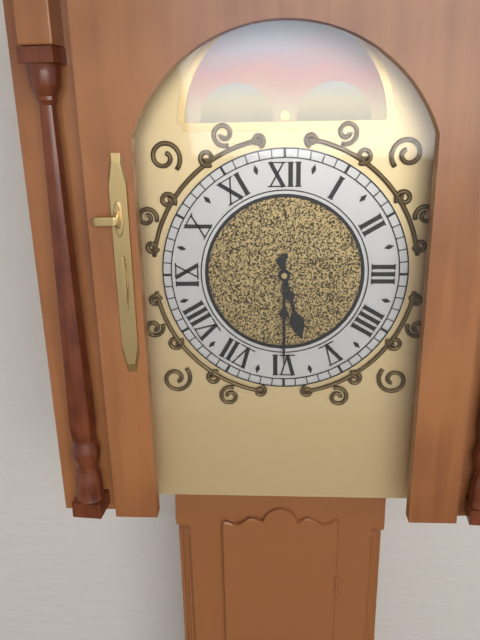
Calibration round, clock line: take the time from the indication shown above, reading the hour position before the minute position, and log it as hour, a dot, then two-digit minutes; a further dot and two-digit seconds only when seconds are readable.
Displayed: 5.30
